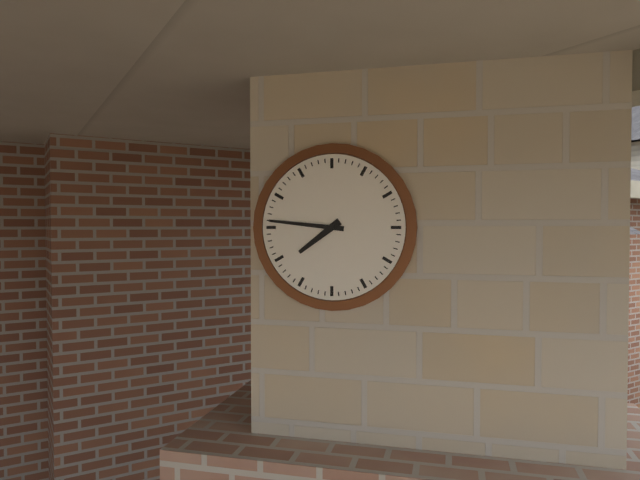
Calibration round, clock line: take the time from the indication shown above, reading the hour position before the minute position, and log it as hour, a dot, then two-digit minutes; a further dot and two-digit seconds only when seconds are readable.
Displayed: 7.46
